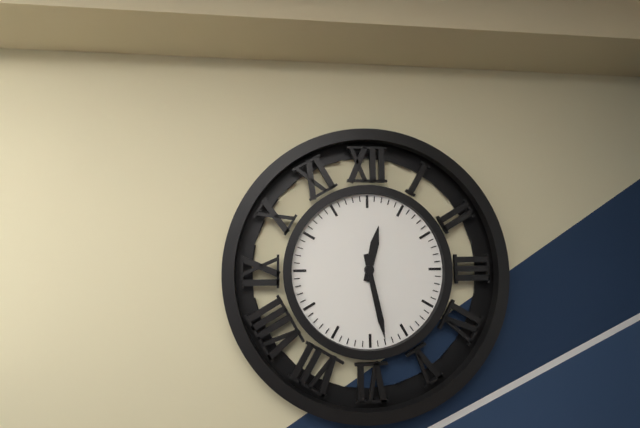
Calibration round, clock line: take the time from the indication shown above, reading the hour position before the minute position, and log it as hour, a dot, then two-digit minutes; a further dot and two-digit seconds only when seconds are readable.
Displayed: 12.28
